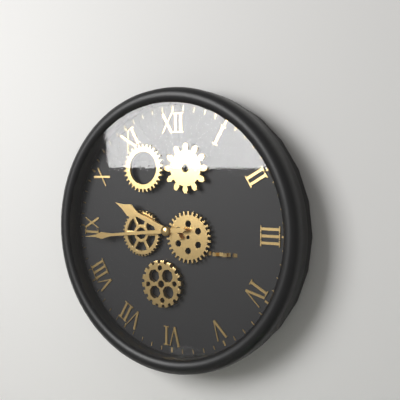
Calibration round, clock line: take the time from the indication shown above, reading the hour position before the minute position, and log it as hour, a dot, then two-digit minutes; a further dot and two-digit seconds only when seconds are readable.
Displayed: 9.44
